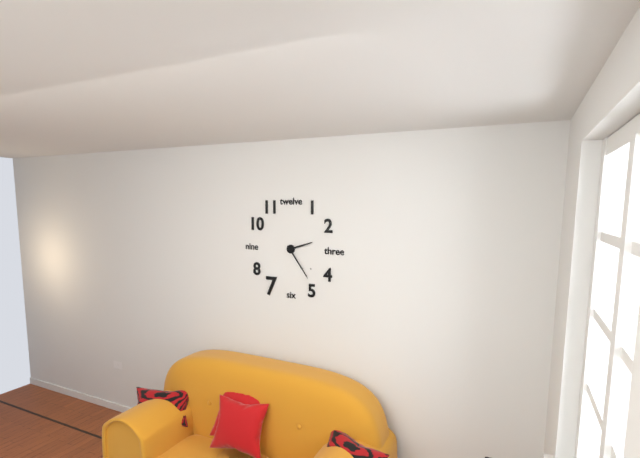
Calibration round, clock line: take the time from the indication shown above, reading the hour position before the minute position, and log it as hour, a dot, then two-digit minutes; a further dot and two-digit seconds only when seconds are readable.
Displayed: 2.24
